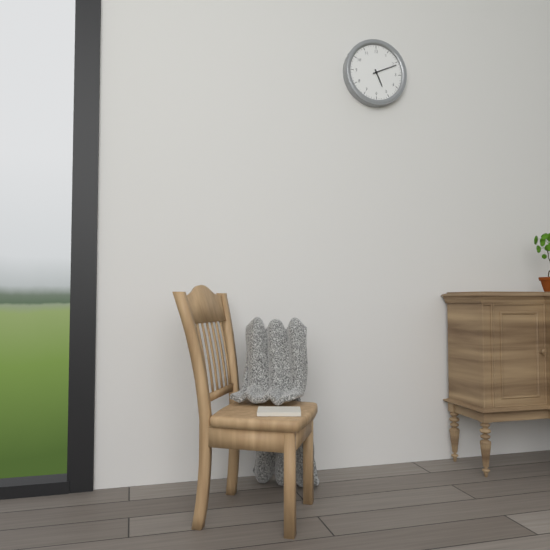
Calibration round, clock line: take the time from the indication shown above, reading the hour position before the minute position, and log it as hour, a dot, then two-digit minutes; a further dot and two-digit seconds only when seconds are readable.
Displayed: 5.11
